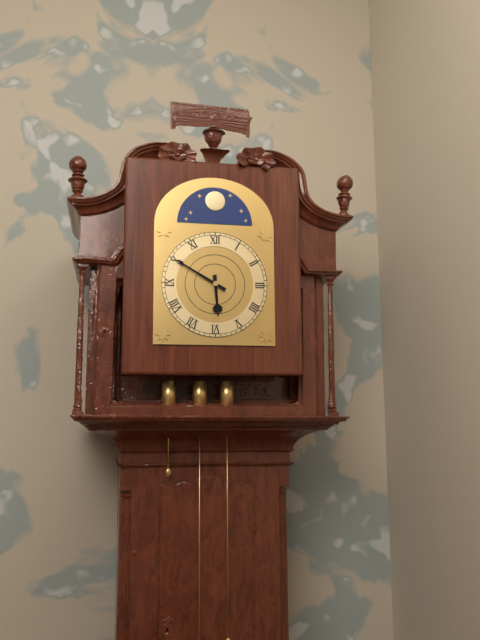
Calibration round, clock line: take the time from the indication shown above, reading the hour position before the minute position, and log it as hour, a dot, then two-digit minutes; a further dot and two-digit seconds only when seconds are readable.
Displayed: 5.50
